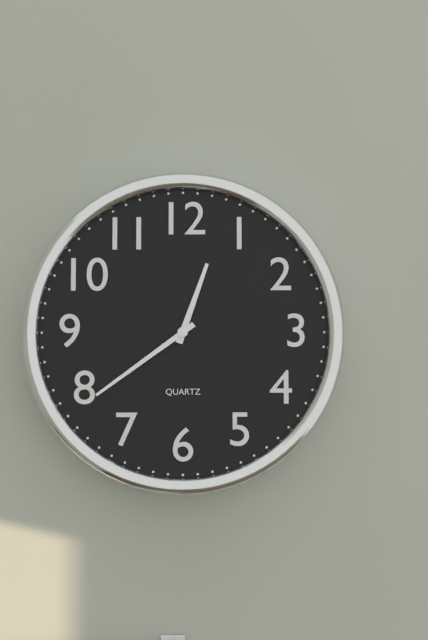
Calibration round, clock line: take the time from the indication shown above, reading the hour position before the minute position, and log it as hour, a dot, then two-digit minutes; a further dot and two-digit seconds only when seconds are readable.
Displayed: 12.39
